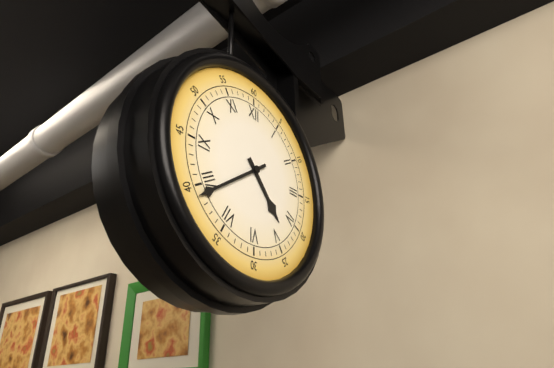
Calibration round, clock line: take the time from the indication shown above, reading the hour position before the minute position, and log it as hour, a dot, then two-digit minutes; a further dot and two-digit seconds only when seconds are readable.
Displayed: 4.39
